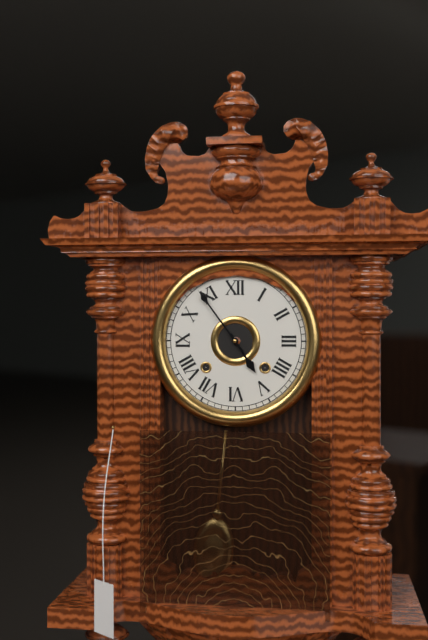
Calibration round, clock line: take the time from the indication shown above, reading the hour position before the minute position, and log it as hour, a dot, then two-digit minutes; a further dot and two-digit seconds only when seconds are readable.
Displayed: 4.54
